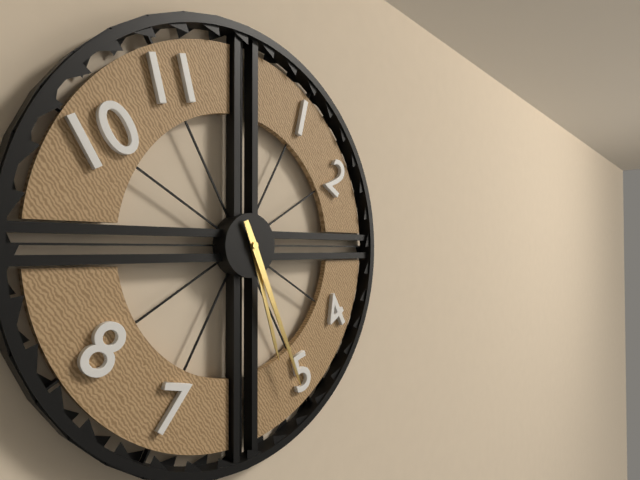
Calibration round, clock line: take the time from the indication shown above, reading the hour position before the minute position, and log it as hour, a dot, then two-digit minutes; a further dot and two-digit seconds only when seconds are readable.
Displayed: 5.26
